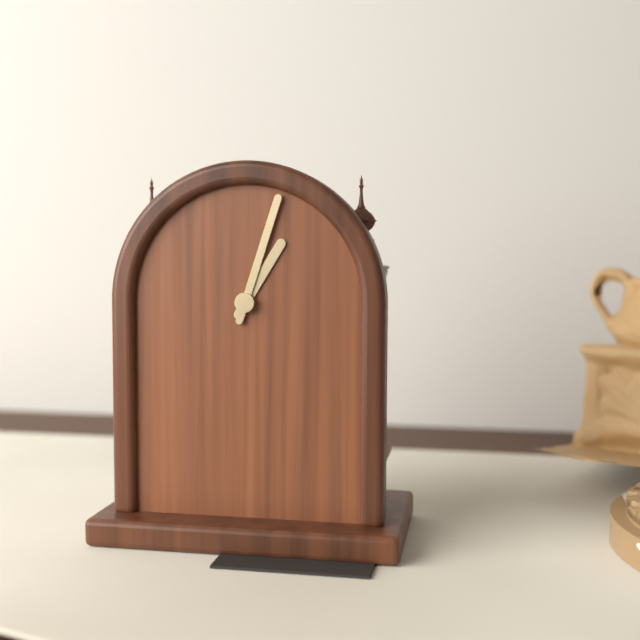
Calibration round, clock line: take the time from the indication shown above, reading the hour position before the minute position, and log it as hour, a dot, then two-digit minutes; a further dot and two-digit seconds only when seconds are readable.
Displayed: 1.03
